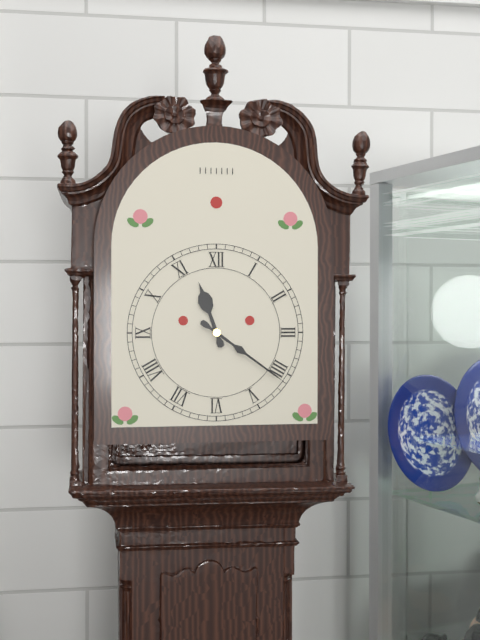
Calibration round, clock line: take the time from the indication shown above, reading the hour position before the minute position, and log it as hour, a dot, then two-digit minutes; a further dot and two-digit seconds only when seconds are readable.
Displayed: 11.21
